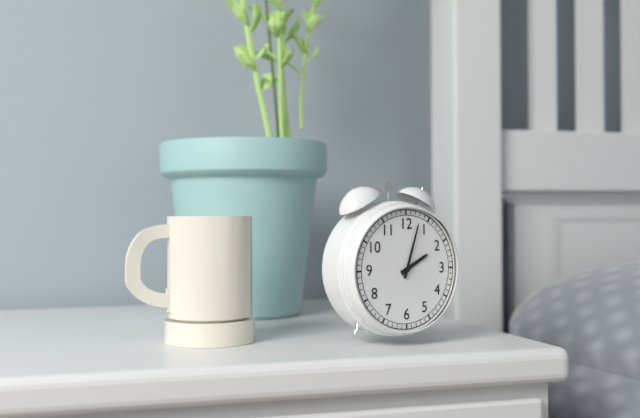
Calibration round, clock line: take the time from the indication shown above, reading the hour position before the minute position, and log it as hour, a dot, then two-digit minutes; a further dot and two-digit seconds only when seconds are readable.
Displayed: 2.03
